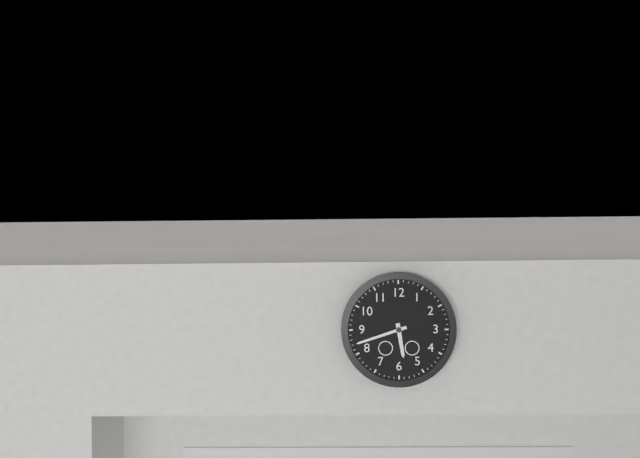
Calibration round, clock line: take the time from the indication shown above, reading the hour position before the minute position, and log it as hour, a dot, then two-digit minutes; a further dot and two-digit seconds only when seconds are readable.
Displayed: 5.42
